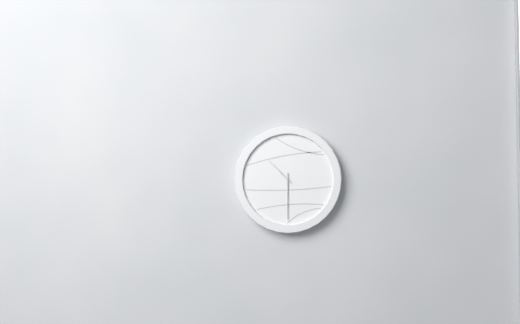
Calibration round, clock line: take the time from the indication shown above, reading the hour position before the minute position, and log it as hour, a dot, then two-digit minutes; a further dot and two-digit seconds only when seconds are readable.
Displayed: 10.30
